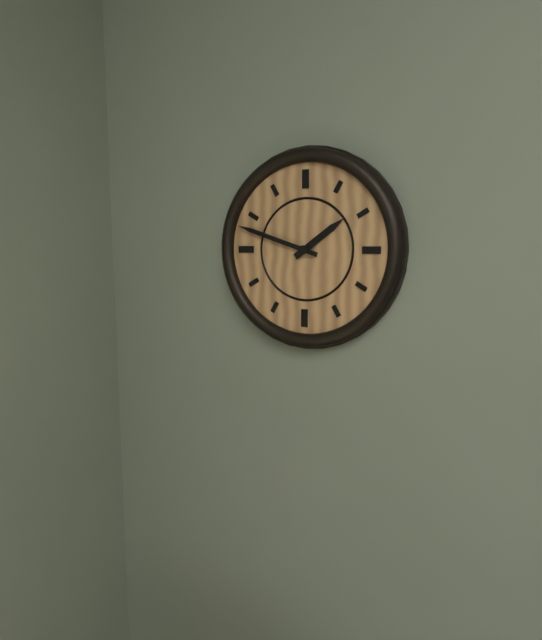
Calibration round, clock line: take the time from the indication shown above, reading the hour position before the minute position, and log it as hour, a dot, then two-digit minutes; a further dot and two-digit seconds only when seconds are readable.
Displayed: 1.48
